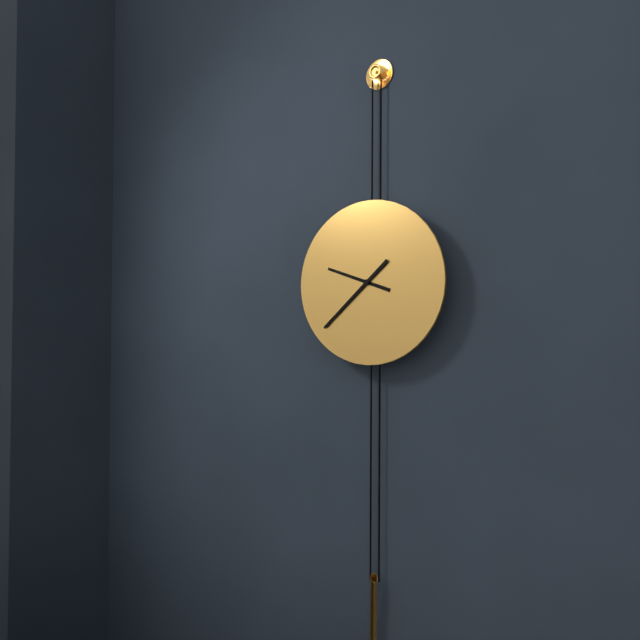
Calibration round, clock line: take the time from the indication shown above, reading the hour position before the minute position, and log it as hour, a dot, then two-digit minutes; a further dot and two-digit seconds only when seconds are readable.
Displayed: 9.38
